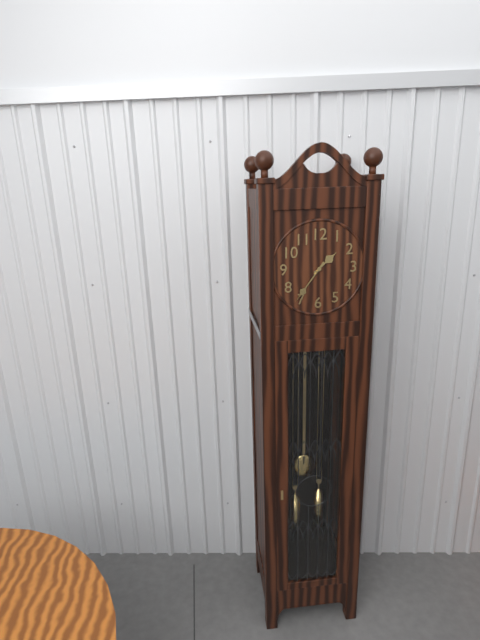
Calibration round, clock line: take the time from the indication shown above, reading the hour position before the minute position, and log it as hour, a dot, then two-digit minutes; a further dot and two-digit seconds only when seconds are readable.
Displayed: 1.36
